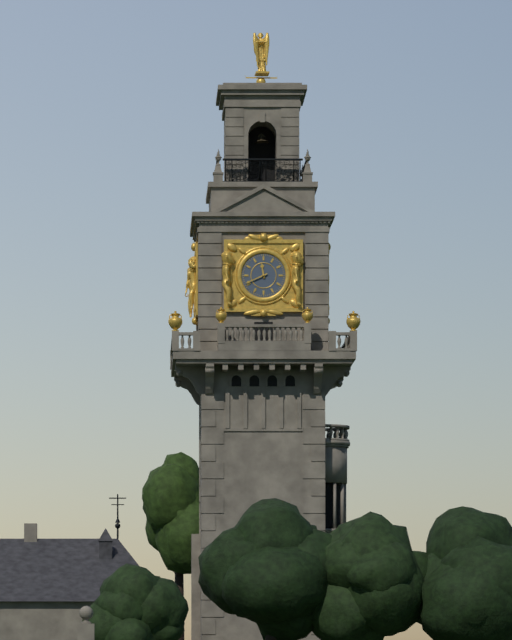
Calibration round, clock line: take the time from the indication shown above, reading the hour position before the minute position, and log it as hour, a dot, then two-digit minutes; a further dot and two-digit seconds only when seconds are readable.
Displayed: 11.41
